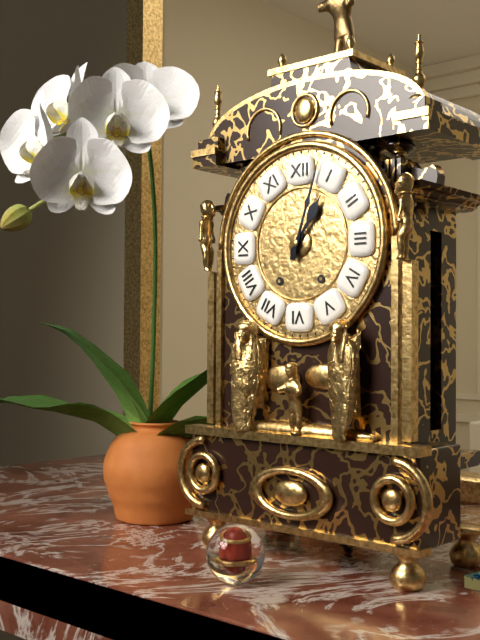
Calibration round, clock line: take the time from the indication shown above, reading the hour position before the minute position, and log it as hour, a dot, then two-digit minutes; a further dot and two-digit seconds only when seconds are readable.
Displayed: 1.03
